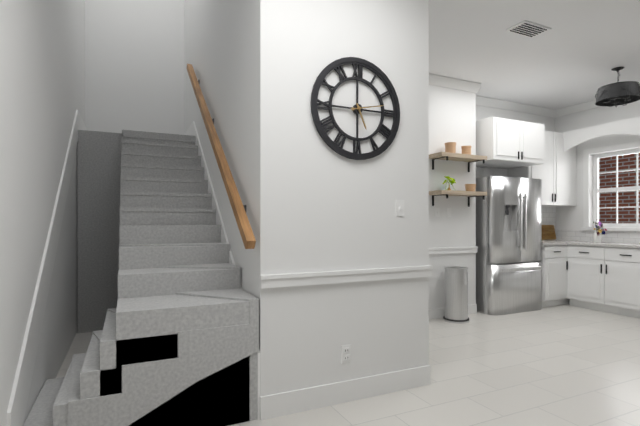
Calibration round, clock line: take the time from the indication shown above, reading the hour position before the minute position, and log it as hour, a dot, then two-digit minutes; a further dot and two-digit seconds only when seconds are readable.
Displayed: 5.13
